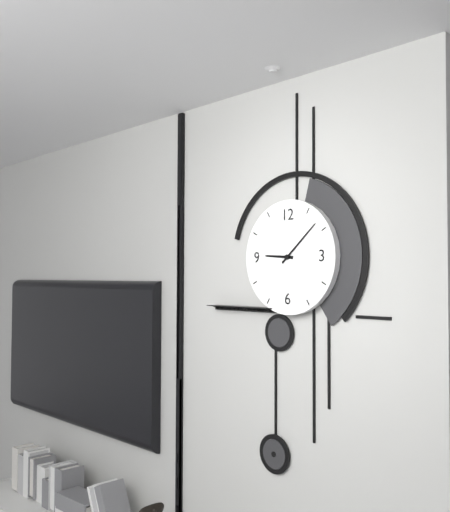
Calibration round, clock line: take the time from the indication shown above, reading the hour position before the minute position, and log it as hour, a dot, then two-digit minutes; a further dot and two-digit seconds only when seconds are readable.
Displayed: 9.08
